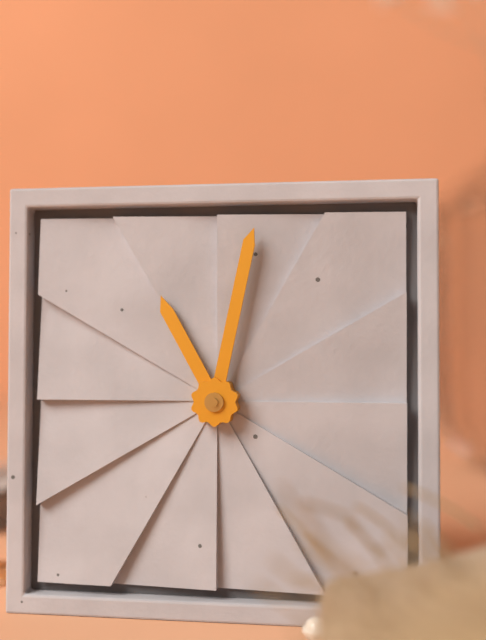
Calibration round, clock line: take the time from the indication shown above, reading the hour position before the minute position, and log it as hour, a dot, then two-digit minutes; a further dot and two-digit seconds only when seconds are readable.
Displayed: 11.02
